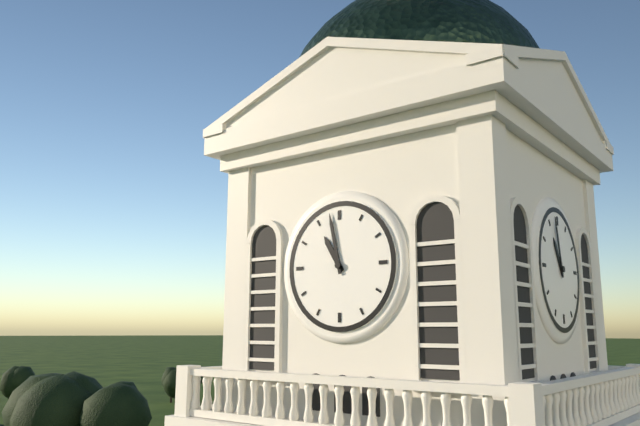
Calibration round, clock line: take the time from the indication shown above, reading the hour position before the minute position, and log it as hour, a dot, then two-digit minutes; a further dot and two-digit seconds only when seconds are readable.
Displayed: 10.58
